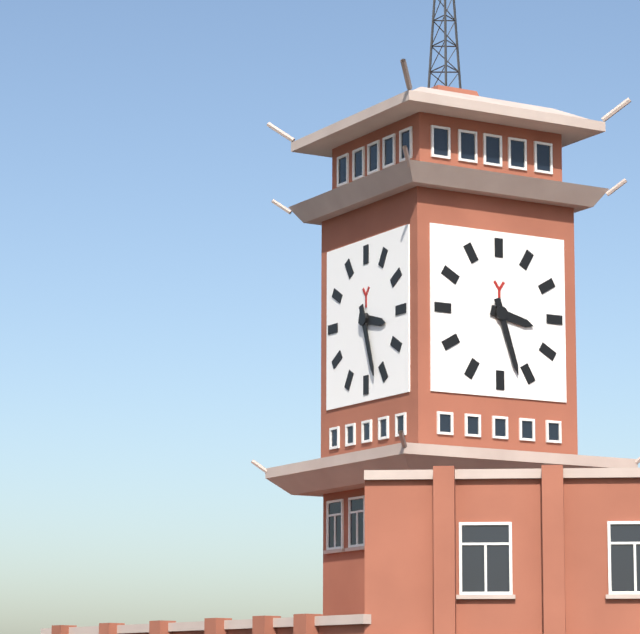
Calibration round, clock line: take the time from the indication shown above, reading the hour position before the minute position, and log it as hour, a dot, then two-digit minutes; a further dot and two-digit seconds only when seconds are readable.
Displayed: 3.27
